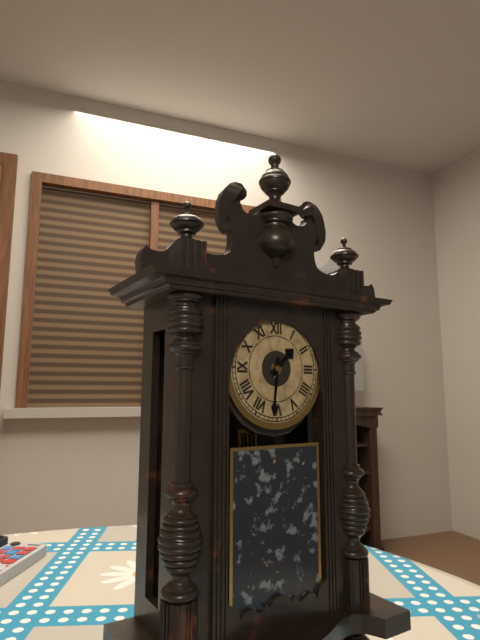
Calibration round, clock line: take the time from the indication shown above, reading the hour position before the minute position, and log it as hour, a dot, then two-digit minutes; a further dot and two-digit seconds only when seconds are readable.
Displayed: 1.31
